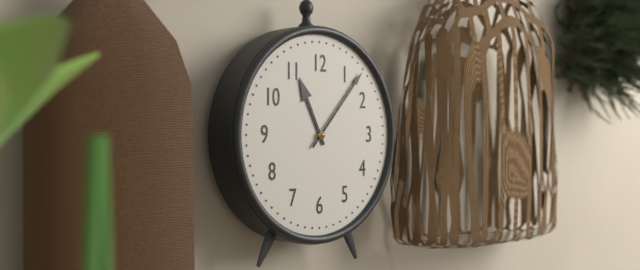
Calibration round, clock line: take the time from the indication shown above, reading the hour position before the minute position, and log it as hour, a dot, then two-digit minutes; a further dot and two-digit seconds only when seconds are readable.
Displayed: 11.07
